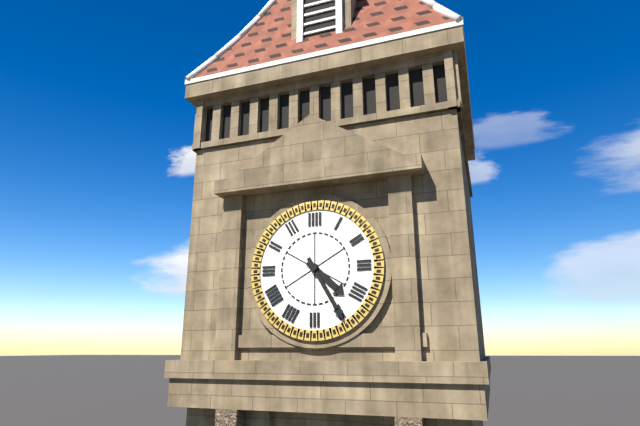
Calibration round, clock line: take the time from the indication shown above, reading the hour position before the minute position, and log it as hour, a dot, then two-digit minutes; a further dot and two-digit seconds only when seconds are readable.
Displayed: 4.25
